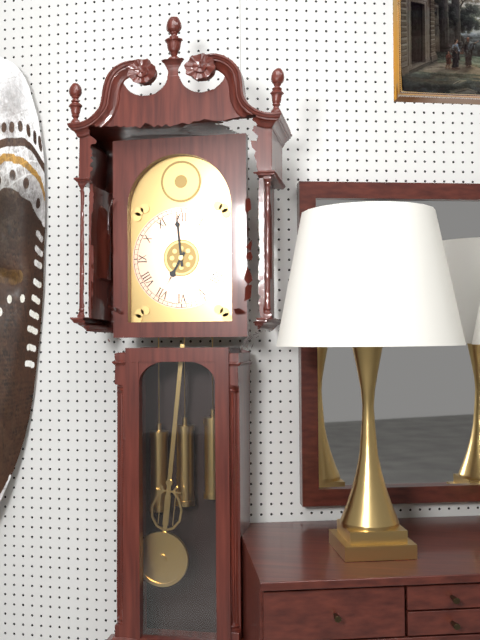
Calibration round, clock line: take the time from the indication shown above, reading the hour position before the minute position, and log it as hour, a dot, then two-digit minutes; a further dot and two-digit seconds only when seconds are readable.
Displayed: 6.59
